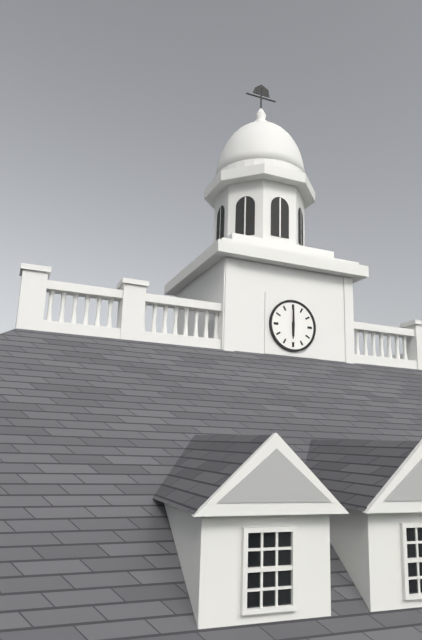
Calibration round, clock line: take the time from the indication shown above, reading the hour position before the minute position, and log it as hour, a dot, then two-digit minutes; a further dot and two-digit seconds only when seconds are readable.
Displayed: 6.00
